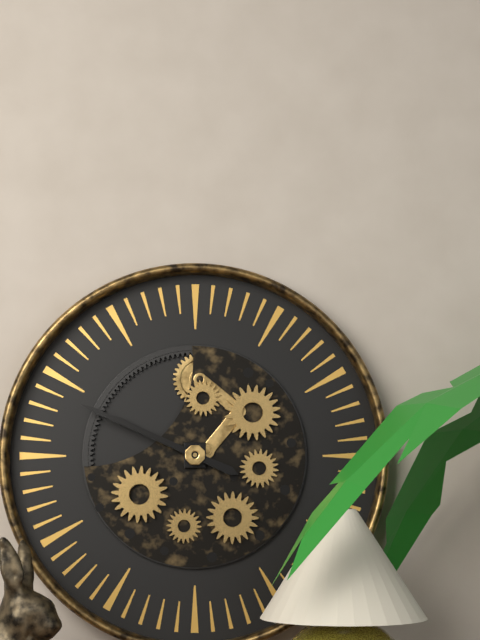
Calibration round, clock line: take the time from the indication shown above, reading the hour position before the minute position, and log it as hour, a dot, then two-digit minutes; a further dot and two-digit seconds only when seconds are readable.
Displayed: 9.49
